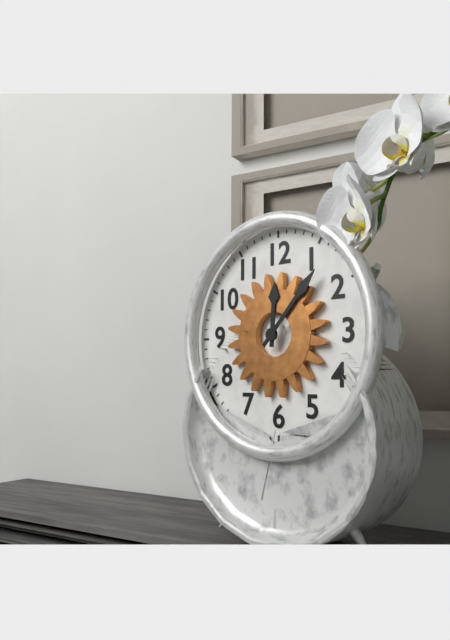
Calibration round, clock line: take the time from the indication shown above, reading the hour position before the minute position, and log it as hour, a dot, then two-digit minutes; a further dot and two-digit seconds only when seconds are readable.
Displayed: 12.07
